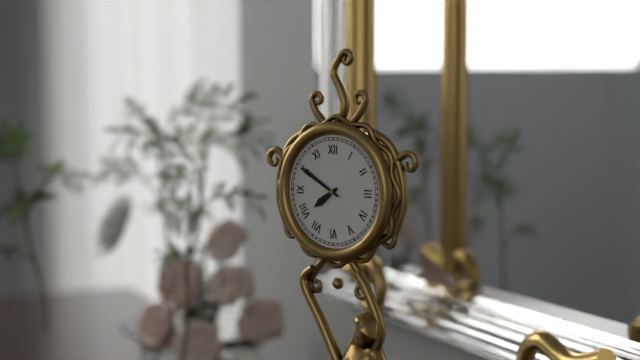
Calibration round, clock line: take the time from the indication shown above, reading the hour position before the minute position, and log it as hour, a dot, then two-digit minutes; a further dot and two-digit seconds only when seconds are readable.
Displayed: 7.50
